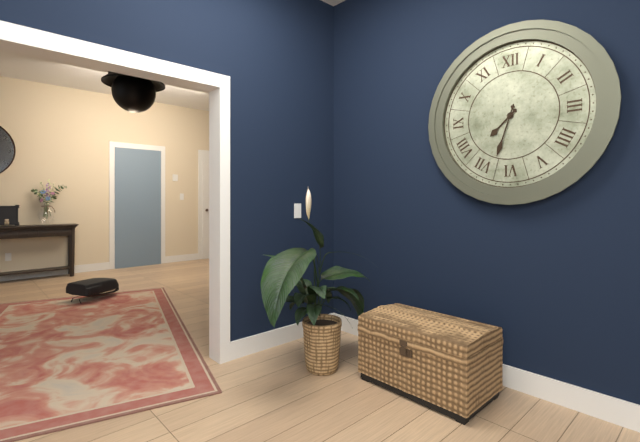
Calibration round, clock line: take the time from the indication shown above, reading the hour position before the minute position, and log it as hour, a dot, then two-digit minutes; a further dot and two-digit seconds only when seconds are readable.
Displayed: 7.33
